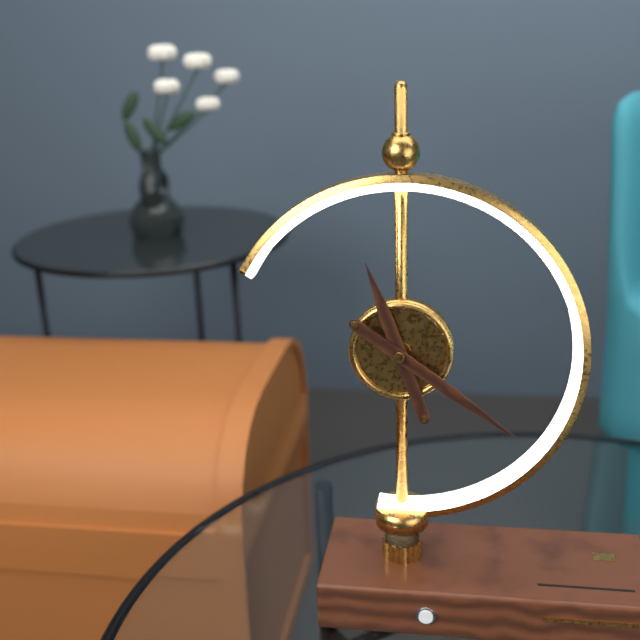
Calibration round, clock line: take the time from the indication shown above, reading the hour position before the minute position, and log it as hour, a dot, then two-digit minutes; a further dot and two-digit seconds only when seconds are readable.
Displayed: 11.21
